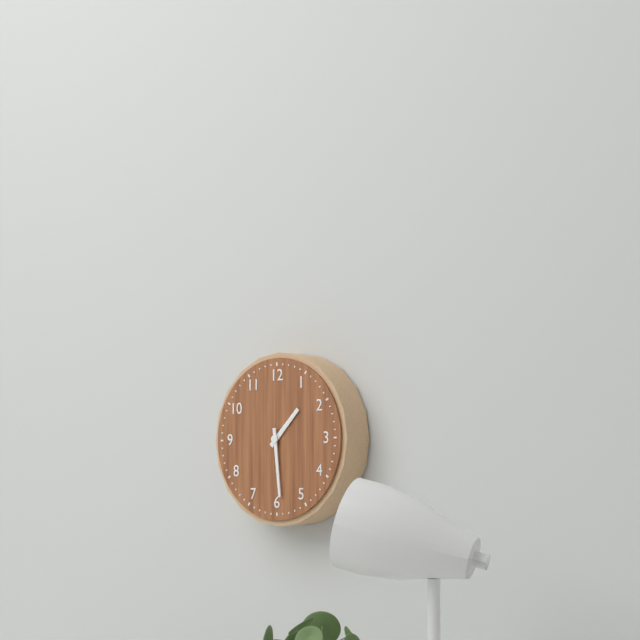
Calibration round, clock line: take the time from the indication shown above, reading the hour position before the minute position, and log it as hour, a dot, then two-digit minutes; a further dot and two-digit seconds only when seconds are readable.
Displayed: 1.29
